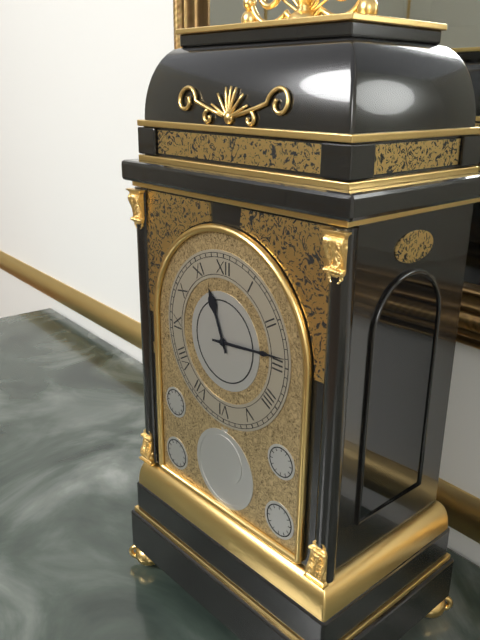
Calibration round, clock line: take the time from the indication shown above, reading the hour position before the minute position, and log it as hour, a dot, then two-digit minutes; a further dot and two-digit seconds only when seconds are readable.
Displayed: 11.14
